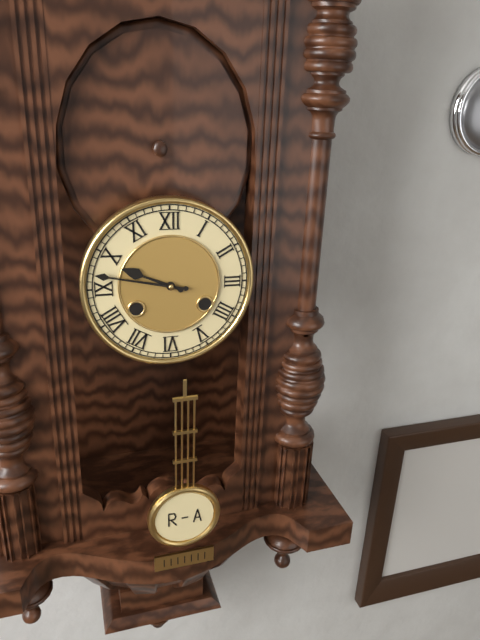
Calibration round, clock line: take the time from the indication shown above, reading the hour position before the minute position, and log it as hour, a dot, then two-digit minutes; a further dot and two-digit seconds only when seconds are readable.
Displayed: 9.47
